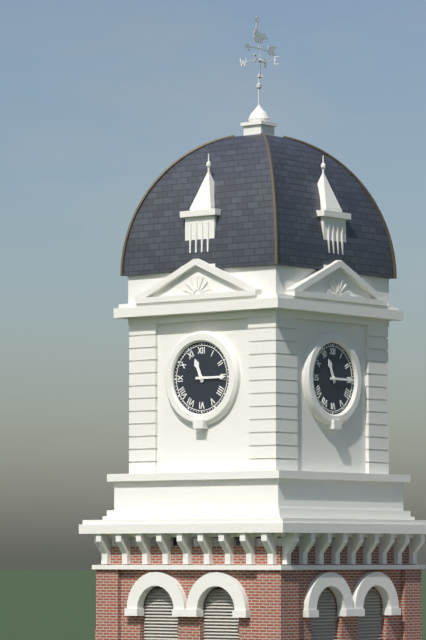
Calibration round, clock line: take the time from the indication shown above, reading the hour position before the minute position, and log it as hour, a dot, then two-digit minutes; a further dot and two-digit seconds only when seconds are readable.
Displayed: 11.15
